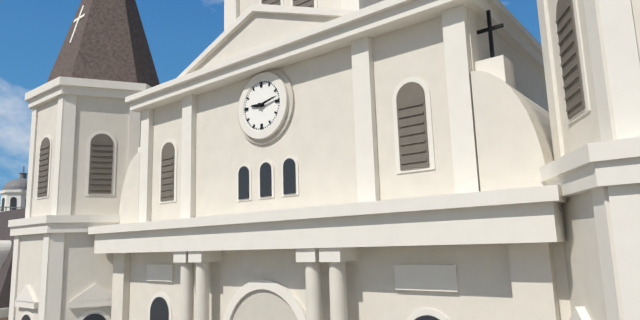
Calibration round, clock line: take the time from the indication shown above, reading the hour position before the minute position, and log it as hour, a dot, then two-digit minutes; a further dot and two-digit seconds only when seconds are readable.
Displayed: 9.13
